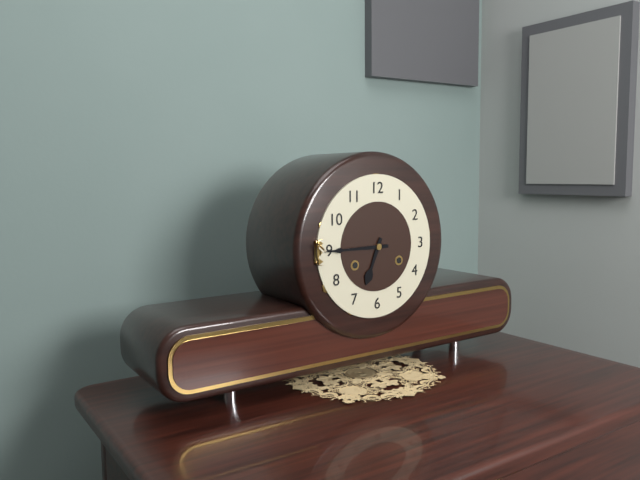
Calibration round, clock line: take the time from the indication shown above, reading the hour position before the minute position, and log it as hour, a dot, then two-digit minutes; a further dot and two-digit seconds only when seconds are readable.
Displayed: 6.45
